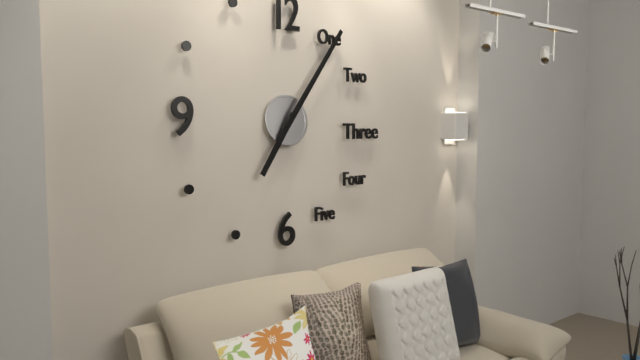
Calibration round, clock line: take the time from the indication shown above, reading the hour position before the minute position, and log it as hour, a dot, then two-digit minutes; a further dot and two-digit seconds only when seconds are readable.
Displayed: 7.06
